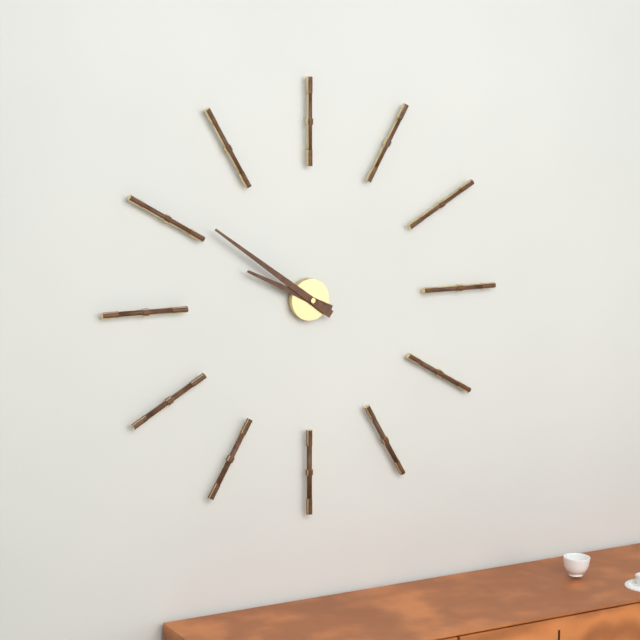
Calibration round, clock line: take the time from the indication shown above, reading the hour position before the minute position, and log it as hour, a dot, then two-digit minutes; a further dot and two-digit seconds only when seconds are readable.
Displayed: 9.51
